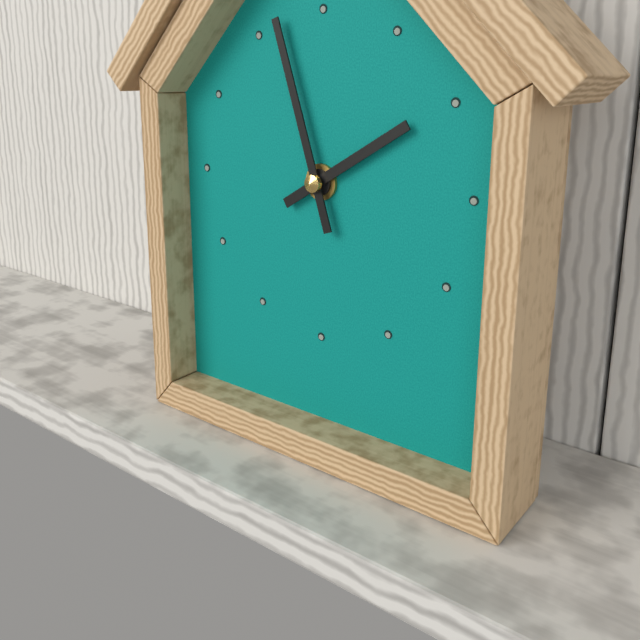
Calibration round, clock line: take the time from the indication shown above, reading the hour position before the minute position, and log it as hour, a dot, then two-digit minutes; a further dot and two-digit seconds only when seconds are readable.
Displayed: 1.57
